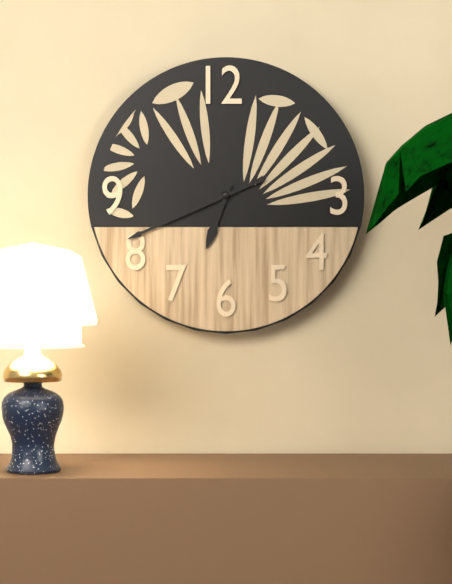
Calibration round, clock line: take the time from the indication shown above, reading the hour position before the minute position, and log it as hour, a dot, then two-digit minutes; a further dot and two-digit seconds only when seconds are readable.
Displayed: 6.41
